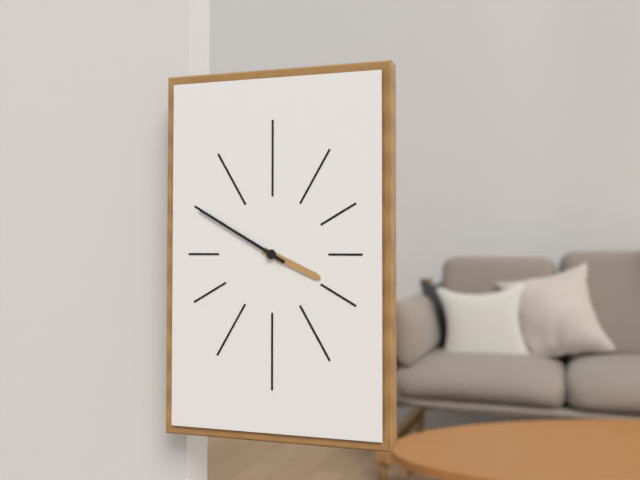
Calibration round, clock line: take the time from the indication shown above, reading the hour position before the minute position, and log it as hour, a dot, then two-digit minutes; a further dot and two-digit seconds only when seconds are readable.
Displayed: 3.50
